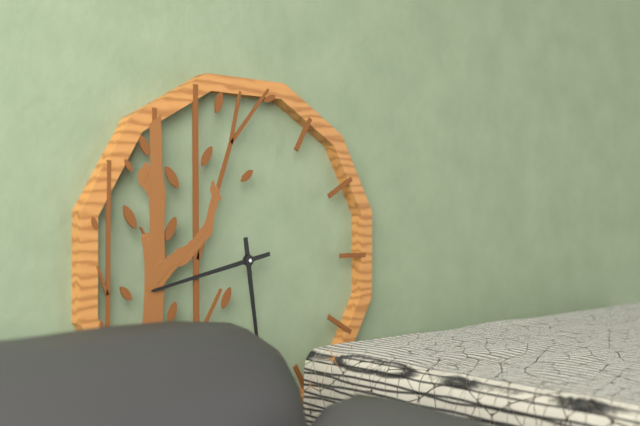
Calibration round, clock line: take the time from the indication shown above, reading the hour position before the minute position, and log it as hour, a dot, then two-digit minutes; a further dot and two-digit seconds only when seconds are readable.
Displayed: 5.43
